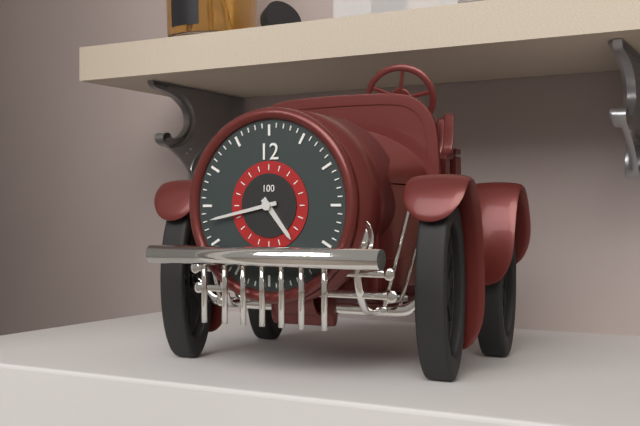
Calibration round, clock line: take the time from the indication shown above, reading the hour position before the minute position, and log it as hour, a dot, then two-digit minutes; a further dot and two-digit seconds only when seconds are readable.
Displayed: 4.43
